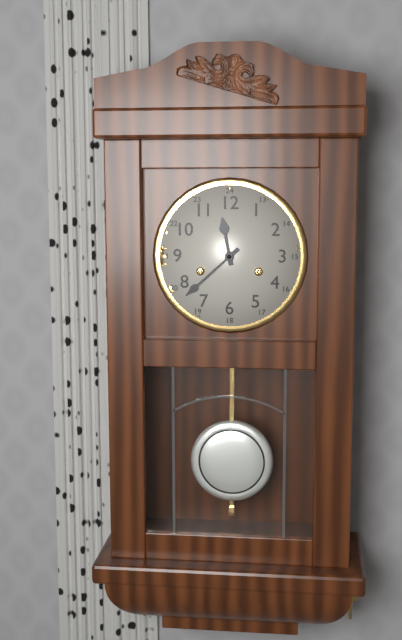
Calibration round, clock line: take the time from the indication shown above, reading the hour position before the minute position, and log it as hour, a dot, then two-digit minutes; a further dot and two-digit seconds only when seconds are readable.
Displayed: 11.38
